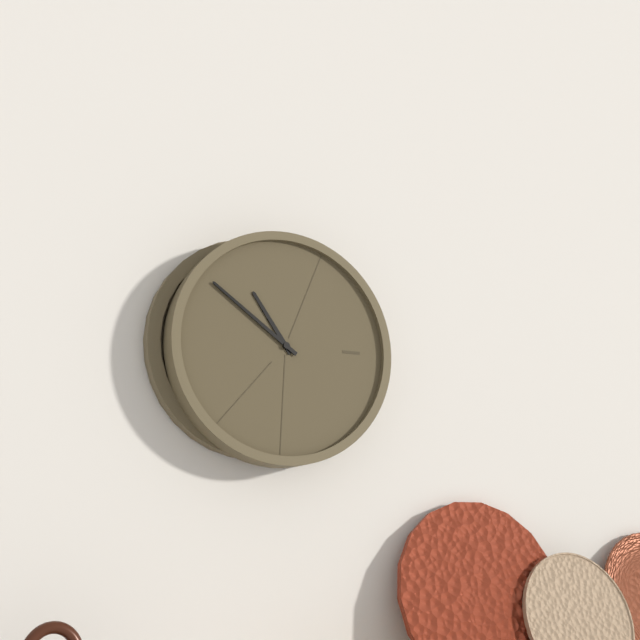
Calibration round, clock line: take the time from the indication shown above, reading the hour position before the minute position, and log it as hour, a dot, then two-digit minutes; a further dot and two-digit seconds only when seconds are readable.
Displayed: 10.51
